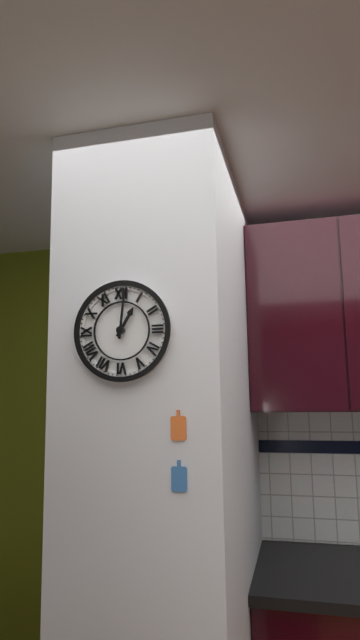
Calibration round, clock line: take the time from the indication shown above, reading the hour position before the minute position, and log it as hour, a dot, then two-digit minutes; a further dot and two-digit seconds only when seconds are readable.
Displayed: 1.01
